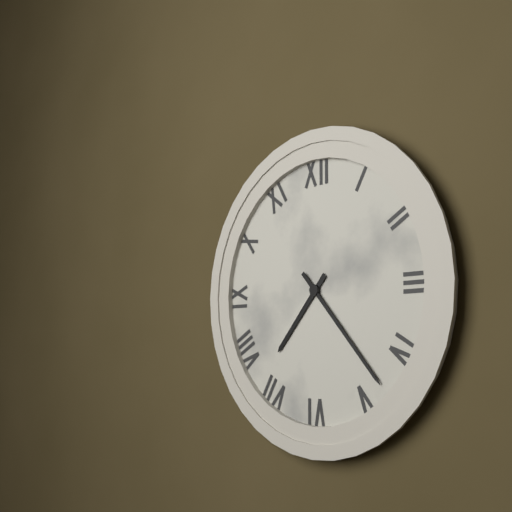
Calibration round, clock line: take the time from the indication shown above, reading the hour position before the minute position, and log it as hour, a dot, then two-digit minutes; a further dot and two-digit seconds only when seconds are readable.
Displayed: 7.23
